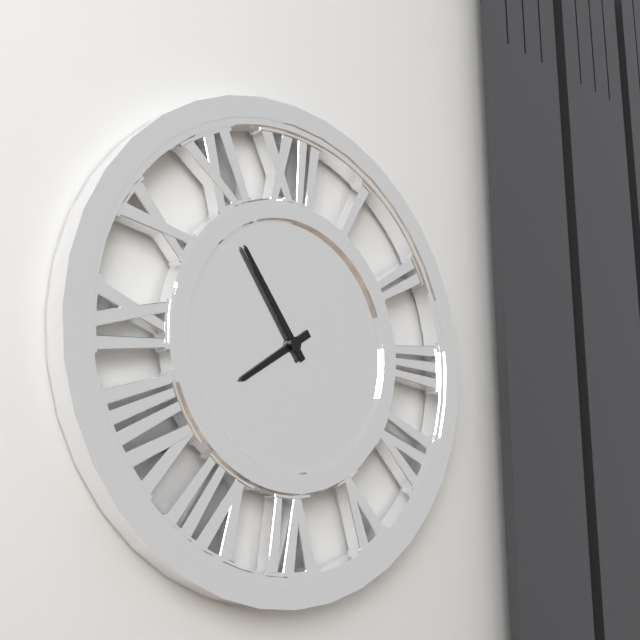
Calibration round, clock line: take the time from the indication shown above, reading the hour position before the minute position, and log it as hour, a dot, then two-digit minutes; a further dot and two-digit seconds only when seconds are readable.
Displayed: 7.54
